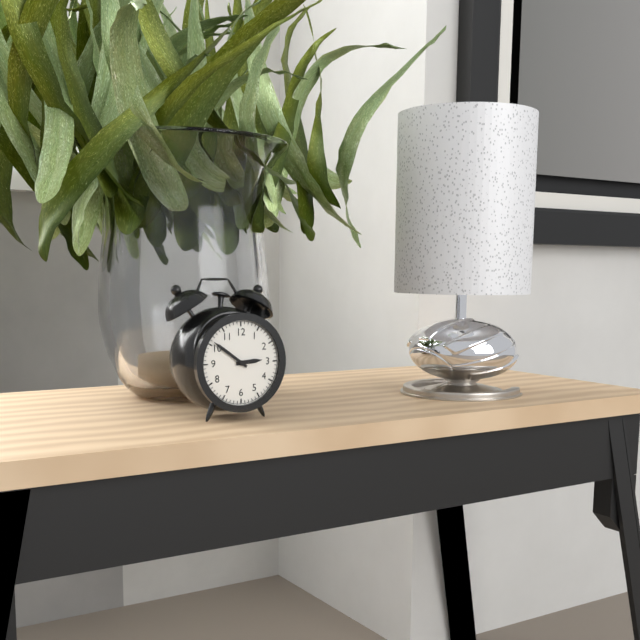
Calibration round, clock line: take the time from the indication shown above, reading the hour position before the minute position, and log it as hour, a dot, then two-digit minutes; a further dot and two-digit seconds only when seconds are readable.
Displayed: 2.51
